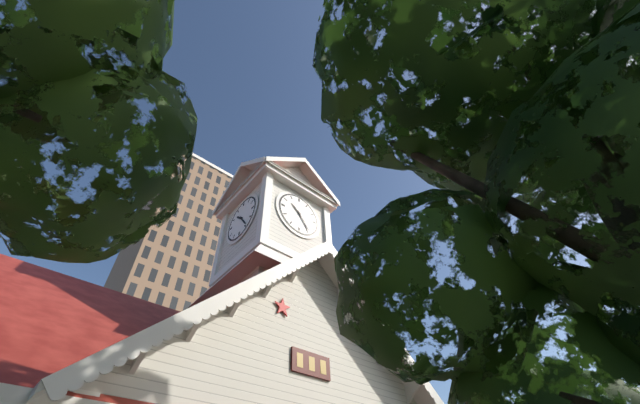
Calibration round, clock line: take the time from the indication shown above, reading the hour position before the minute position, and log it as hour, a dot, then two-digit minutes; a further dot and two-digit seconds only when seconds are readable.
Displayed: 10.24
